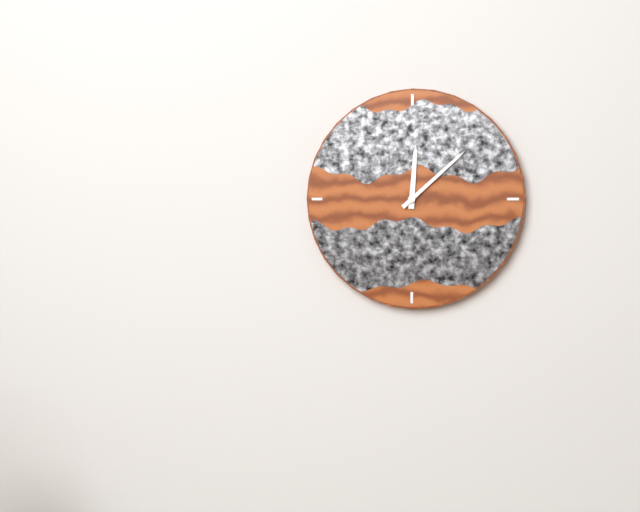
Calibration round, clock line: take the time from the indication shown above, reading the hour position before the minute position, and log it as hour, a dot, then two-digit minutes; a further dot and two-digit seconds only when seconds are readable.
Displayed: 12.08
